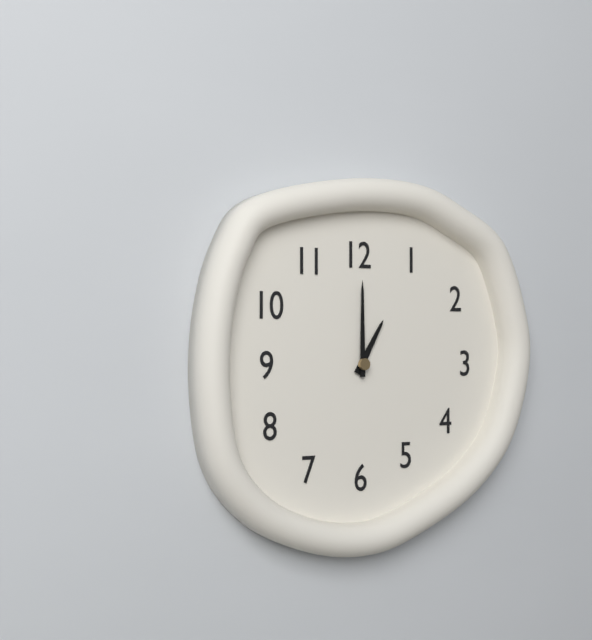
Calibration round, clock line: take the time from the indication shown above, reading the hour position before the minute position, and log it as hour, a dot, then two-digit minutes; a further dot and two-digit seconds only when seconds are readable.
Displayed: 1.00
